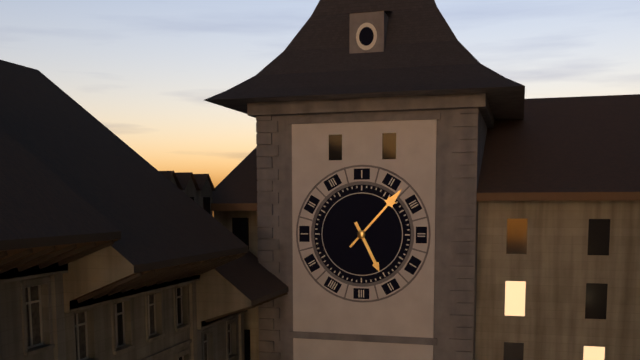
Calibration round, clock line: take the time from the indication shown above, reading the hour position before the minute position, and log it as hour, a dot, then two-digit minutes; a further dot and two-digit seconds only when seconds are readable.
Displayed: 5.07
